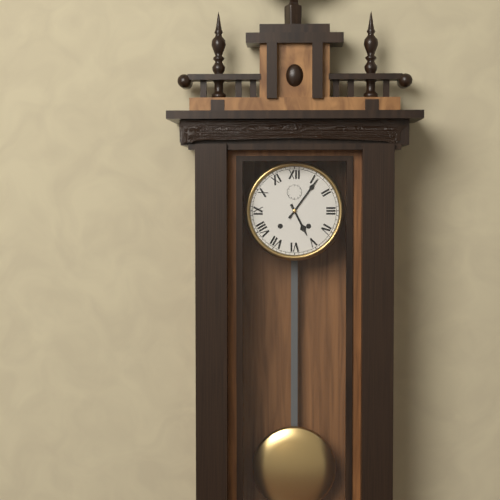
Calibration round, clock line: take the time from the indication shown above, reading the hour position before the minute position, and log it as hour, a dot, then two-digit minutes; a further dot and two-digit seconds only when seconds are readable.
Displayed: 5.06
